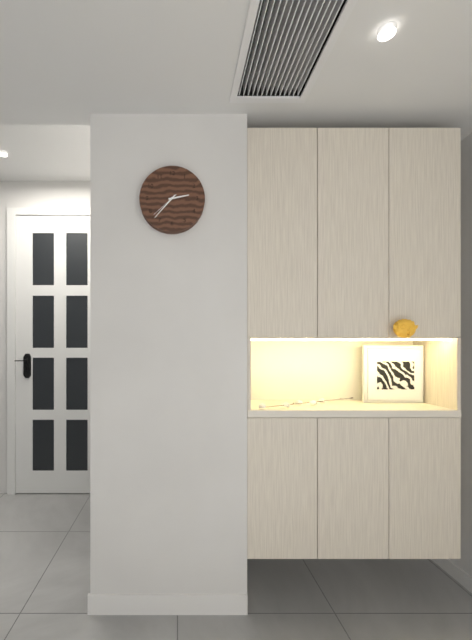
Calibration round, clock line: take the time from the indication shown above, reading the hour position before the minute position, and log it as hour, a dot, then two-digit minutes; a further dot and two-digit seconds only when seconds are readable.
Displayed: 2.37
